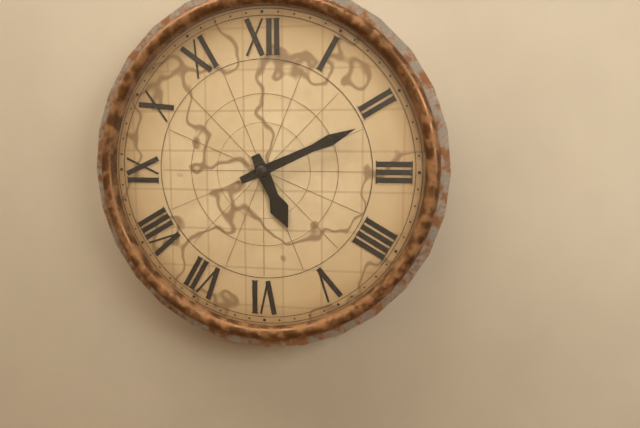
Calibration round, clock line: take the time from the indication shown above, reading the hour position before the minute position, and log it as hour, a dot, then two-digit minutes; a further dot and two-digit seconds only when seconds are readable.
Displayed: 5.11
